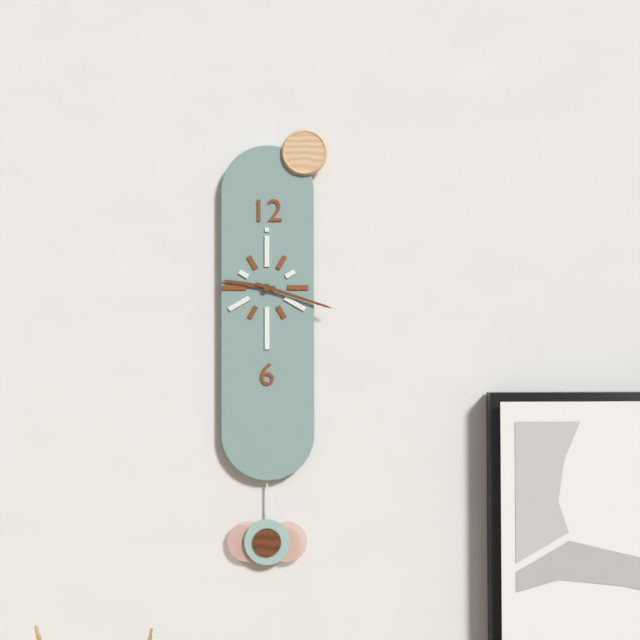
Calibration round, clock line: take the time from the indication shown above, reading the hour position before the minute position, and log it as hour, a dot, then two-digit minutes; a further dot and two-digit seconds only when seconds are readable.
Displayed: 9.18
